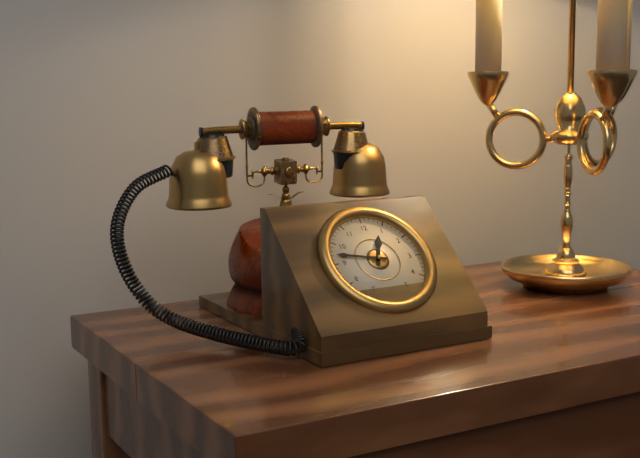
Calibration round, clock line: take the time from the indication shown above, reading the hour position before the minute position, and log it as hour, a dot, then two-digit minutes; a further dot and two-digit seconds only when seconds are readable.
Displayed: 12.47
